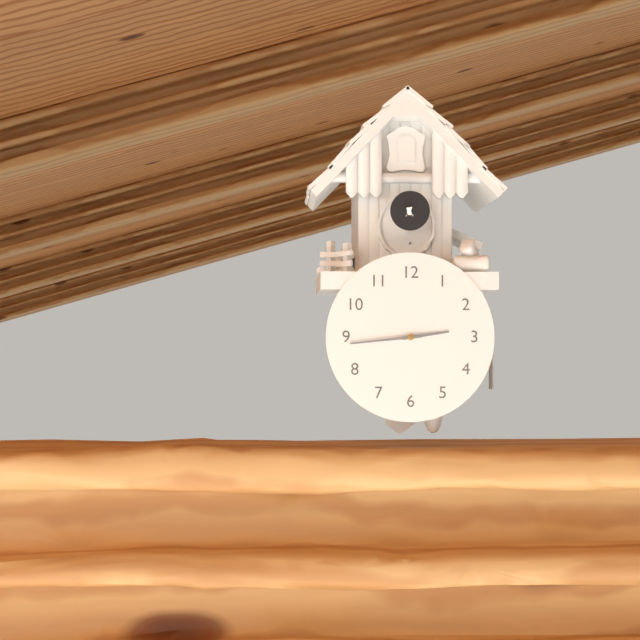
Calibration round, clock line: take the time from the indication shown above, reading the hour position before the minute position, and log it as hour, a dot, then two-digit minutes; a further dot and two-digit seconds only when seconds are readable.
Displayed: 2.44
